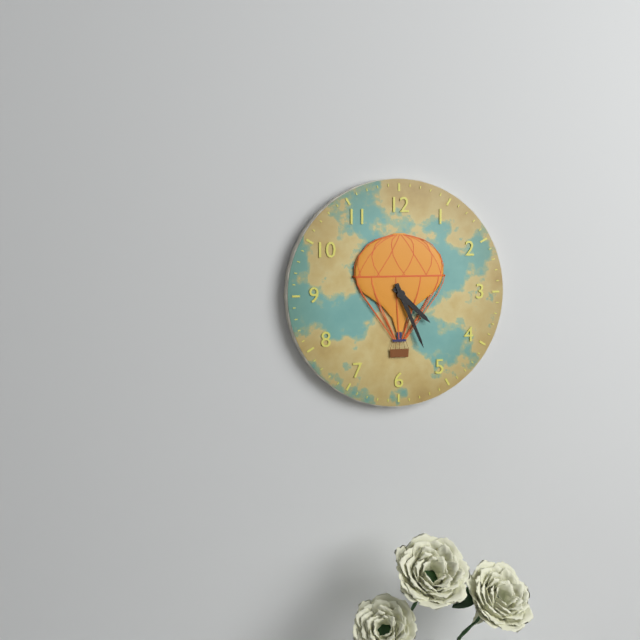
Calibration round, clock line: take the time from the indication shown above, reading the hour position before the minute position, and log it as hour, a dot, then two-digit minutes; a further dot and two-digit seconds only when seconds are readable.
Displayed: 4.26
